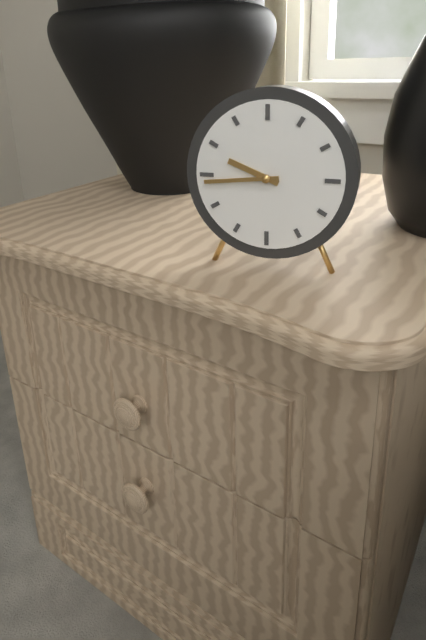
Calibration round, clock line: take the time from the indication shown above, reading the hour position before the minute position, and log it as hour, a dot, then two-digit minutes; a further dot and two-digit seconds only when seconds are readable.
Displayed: 9.44
